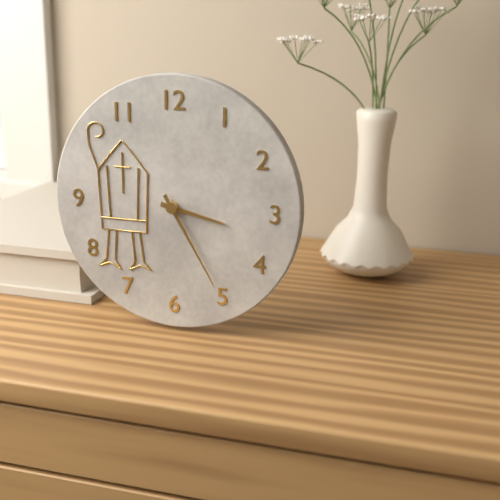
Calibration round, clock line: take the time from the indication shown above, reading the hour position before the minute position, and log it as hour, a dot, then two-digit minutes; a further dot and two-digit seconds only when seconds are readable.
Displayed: 3.25
